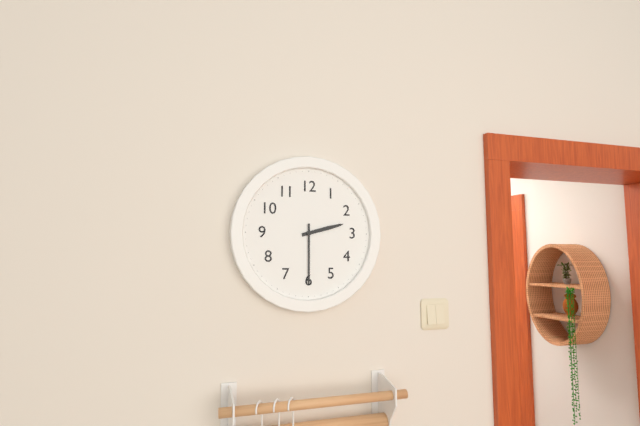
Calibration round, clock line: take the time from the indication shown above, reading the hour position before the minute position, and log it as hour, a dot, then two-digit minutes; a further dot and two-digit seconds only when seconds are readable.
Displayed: 2.30
